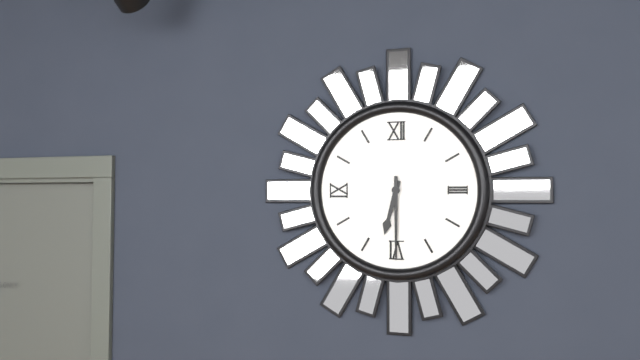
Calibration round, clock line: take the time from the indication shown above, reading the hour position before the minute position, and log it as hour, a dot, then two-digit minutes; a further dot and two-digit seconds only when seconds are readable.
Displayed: 6.30
